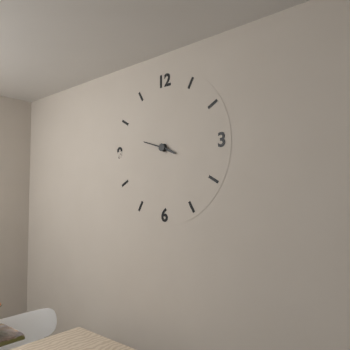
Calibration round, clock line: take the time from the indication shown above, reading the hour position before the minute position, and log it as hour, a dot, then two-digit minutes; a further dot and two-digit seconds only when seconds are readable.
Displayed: 3.48
